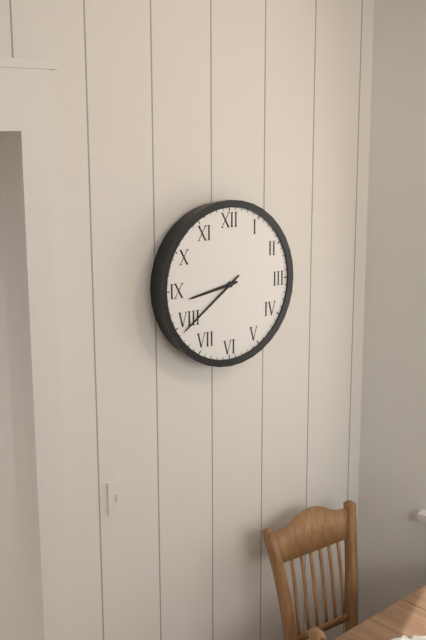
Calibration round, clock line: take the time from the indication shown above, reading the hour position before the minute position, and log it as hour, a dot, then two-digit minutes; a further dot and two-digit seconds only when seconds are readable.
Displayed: 8.39
